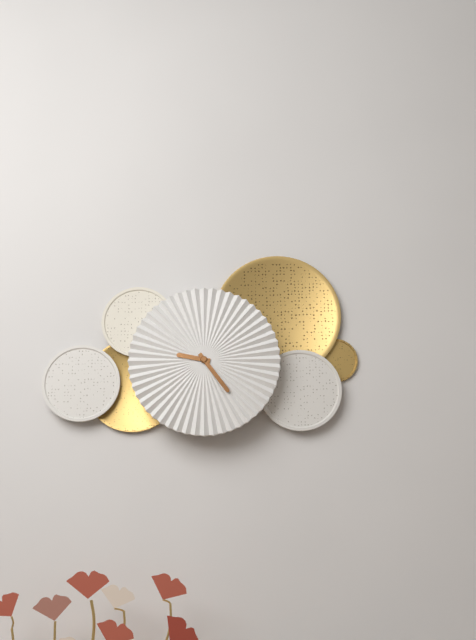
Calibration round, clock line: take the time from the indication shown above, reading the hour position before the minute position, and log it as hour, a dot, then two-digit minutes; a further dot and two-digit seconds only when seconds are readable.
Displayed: 9.24
